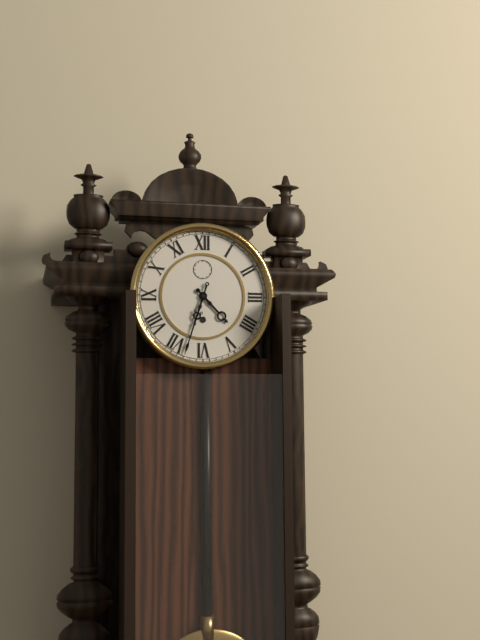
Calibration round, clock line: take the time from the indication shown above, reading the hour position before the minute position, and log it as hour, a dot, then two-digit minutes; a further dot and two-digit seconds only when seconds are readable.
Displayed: 4.33
